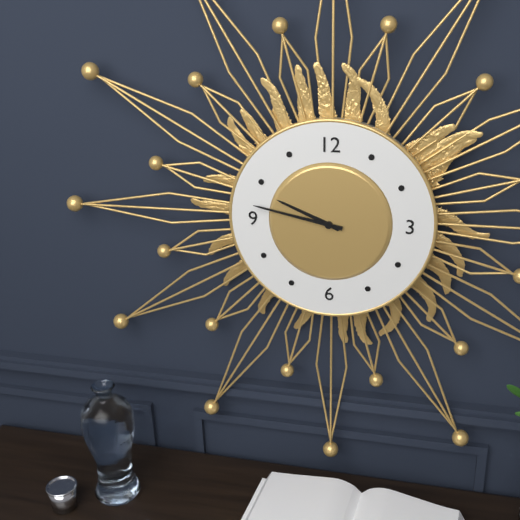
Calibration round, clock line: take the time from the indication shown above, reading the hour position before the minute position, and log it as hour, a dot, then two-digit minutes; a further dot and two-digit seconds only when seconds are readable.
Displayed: 9.47
